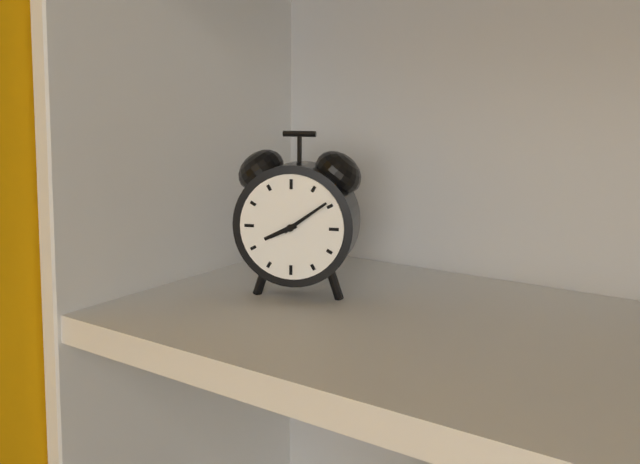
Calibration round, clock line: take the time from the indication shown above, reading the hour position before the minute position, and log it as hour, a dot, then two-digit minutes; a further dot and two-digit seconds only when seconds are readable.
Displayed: 8.09
